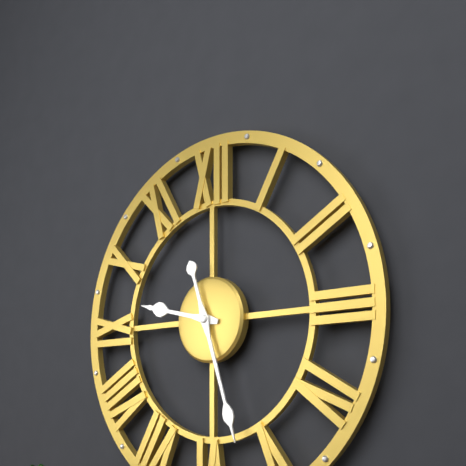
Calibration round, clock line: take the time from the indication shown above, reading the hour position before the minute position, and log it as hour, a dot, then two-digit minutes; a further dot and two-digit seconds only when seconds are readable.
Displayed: 9.27
